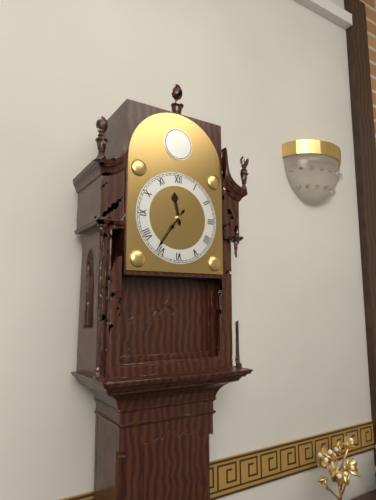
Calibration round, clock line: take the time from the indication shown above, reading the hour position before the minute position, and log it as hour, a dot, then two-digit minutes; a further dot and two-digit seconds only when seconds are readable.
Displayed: 11.36
